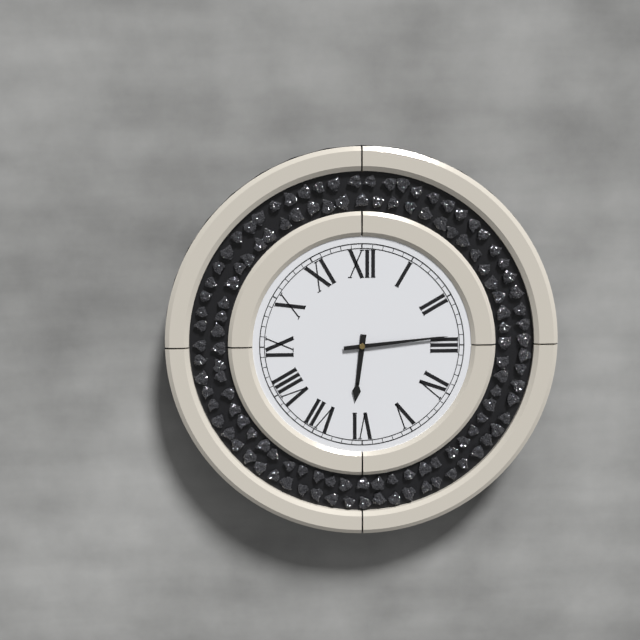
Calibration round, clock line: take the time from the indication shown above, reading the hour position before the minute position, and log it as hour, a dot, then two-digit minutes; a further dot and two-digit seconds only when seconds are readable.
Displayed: 6.14
